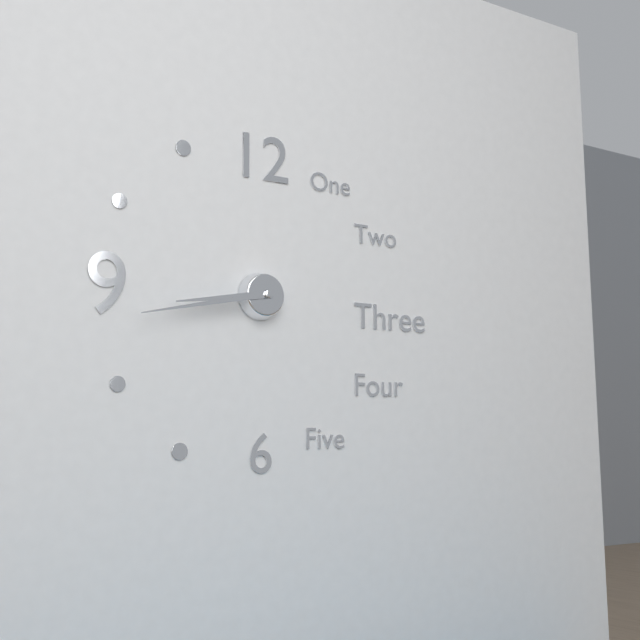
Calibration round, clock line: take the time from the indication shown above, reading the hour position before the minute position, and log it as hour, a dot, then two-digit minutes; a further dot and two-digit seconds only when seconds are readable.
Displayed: 8.43
